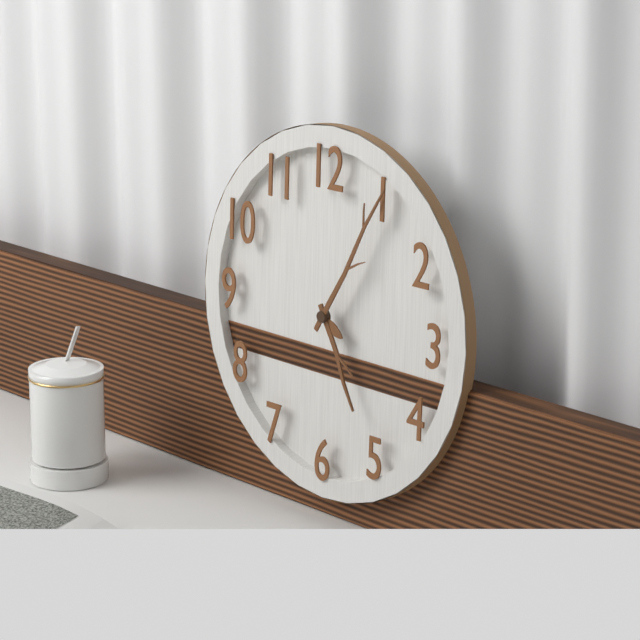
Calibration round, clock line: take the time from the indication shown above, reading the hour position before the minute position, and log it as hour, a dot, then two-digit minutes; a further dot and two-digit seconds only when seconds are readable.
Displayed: 5.05
